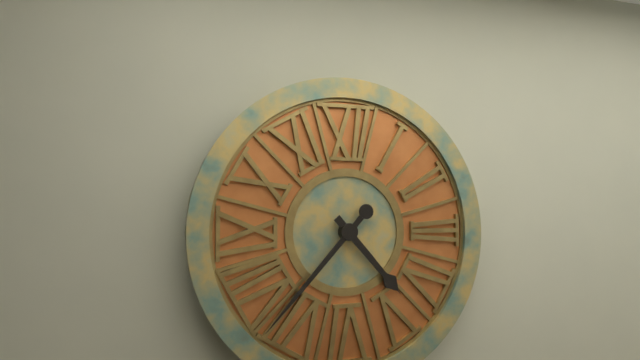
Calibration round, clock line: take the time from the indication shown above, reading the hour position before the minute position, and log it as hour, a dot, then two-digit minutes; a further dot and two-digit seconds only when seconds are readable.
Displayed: 4.37
